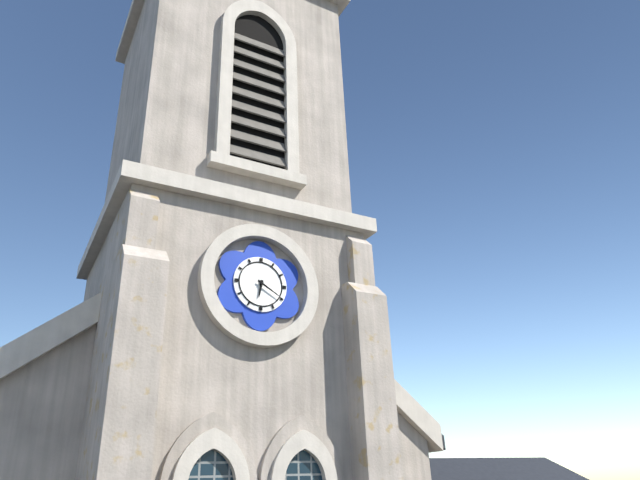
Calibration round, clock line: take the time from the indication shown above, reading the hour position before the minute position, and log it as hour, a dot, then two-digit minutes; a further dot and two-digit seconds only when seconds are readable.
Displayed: 6.20
